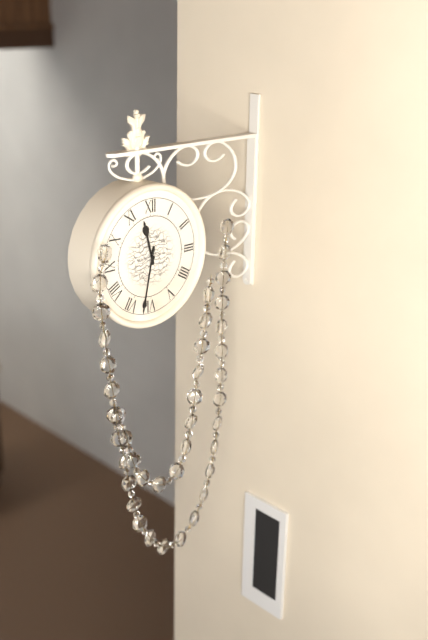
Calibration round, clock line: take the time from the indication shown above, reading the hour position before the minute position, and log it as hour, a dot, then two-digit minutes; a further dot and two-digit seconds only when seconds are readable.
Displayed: 11.32
